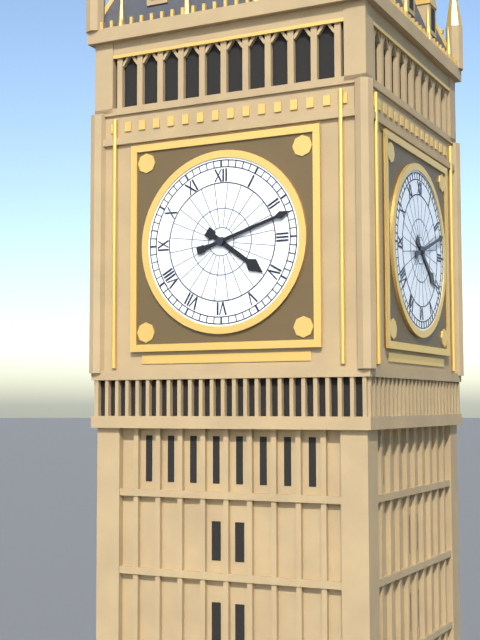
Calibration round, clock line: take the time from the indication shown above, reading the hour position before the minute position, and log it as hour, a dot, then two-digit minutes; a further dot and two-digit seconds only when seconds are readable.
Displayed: 4.12
